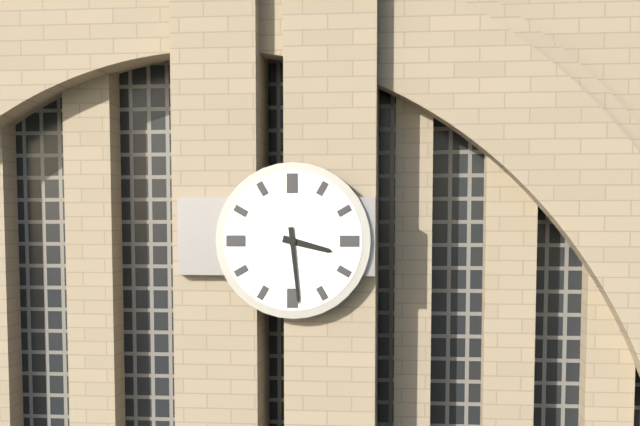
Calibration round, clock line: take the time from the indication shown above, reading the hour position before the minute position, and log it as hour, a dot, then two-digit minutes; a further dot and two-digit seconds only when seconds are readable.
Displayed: 3.29
